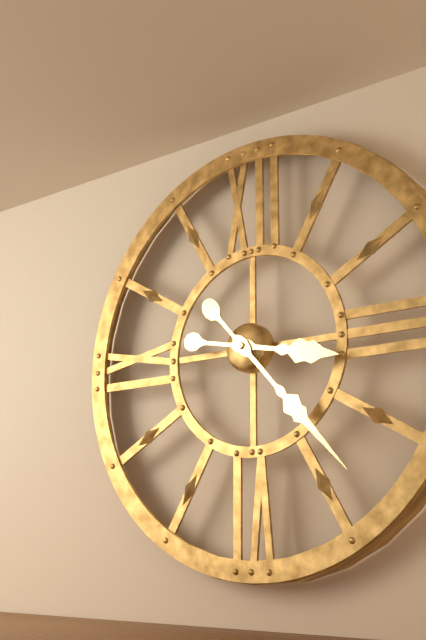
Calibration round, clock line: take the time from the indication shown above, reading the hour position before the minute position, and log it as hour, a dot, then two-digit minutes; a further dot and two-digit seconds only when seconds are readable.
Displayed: 3.23
